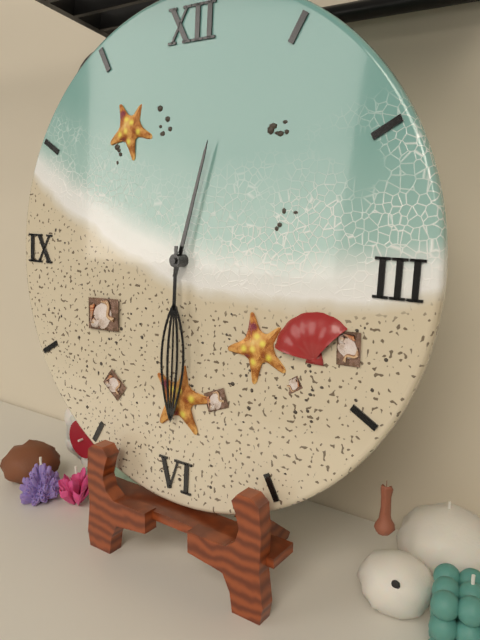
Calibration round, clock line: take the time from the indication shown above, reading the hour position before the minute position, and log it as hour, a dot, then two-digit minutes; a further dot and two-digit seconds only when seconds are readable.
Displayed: 12.30
